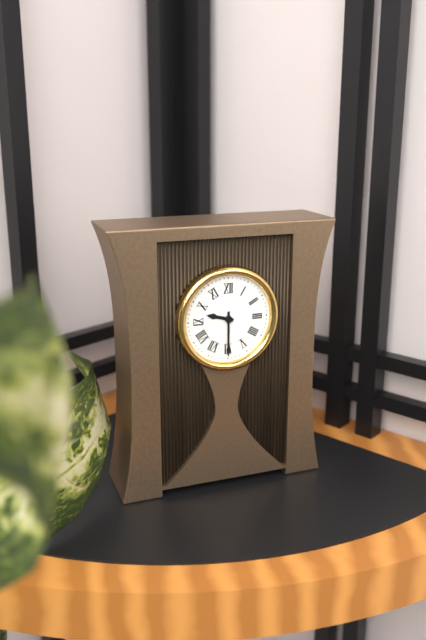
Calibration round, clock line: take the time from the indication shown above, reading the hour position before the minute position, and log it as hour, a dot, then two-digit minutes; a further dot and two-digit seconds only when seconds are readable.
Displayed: 9.30
